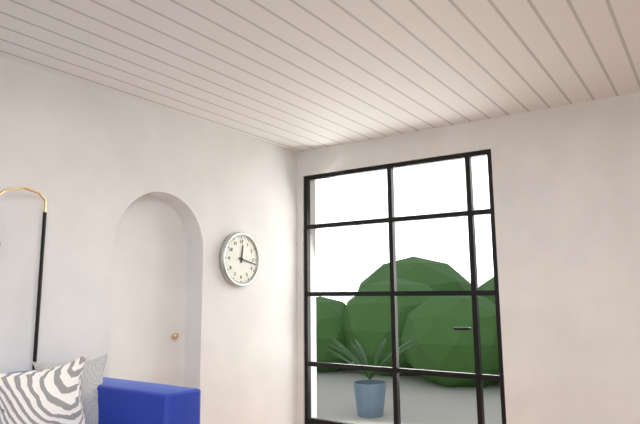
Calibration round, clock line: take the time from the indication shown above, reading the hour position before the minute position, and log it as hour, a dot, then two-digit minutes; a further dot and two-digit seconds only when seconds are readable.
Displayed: 12.17
